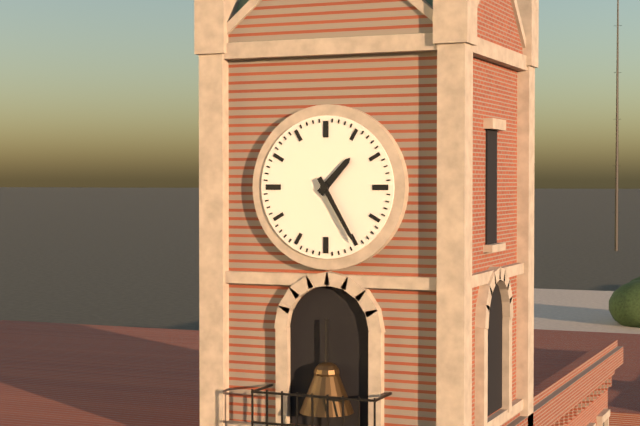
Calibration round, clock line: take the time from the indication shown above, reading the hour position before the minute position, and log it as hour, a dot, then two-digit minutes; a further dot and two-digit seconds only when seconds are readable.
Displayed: 1.25
